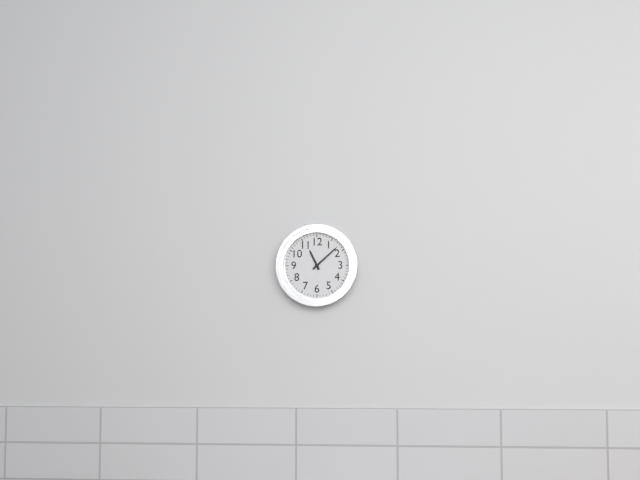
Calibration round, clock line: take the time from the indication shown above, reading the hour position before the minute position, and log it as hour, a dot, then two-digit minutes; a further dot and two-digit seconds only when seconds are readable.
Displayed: 11.08
